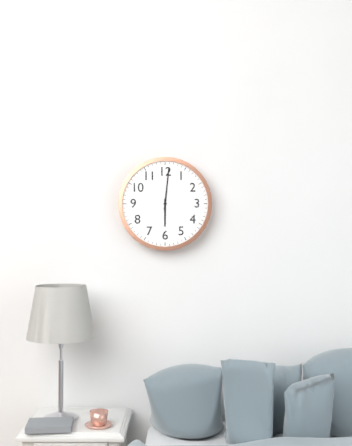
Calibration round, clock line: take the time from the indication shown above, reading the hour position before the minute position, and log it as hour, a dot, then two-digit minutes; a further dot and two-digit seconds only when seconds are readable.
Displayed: 6.01
